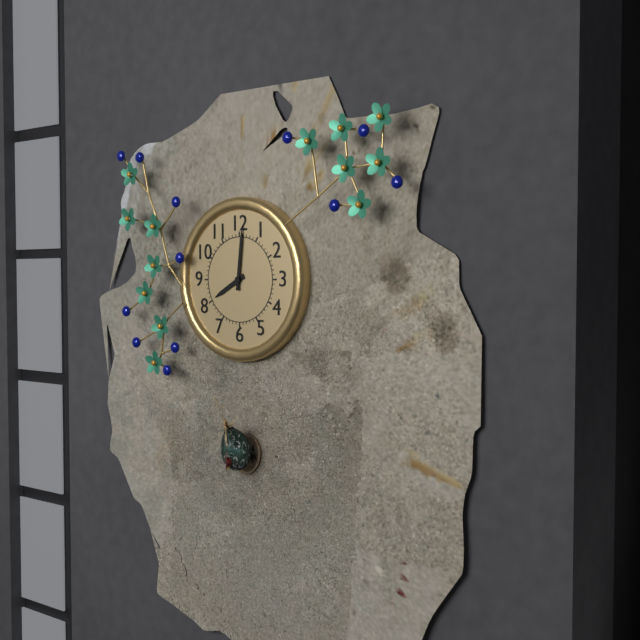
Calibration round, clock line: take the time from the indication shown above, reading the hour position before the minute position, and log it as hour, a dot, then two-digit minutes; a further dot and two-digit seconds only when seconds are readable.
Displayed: 8.01
